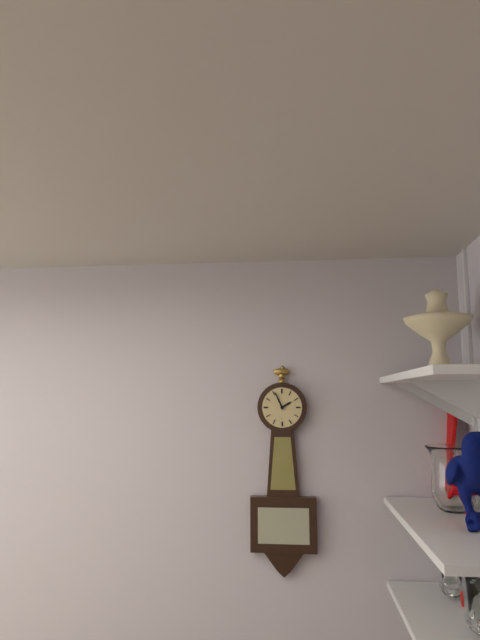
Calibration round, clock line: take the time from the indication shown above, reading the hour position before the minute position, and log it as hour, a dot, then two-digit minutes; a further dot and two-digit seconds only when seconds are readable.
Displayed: 1.56
